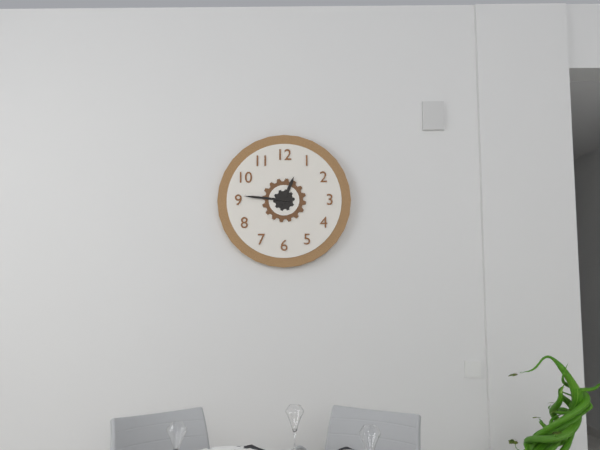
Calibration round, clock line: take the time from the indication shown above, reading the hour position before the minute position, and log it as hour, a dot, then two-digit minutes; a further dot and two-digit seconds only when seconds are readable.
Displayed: 12.46
